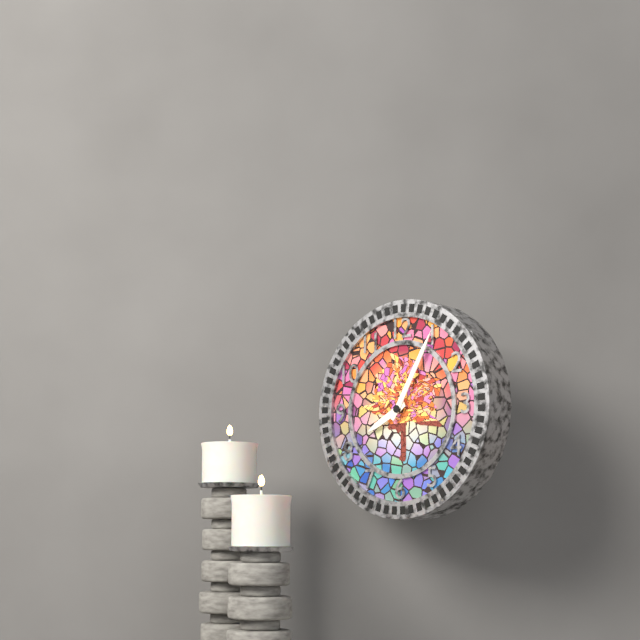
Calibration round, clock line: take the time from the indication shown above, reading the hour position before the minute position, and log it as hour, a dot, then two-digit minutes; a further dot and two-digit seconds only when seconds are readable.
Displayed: 8.05
